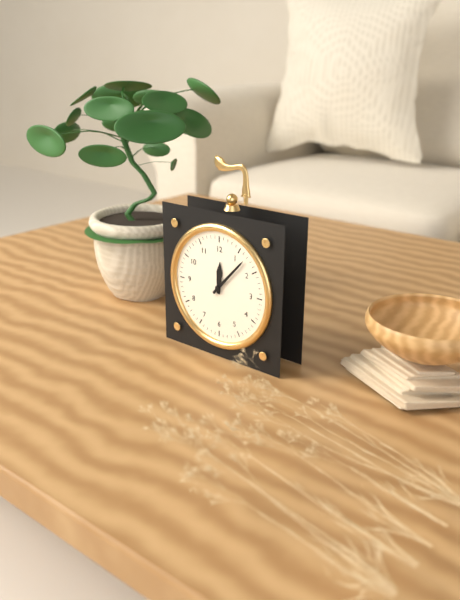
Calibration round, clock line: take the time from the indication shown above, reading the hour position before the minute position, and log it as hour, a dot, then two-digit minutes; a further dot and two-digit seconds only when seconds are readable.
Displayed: 12.07
